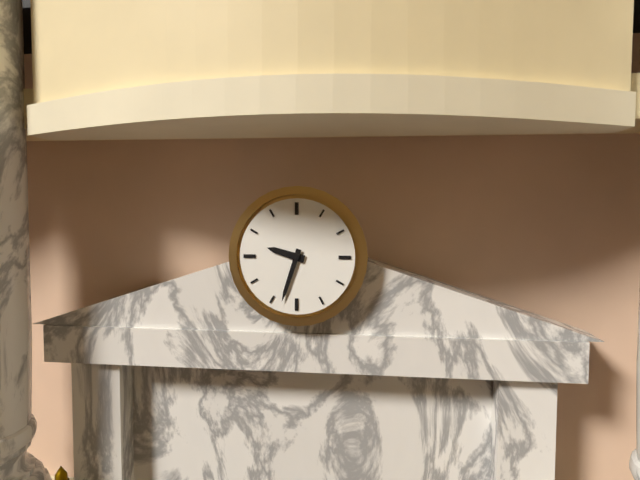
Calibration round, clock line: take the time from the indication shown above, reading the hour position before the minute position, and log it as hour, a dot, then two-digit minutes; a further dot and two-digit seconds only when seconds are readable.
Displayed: 9.33
